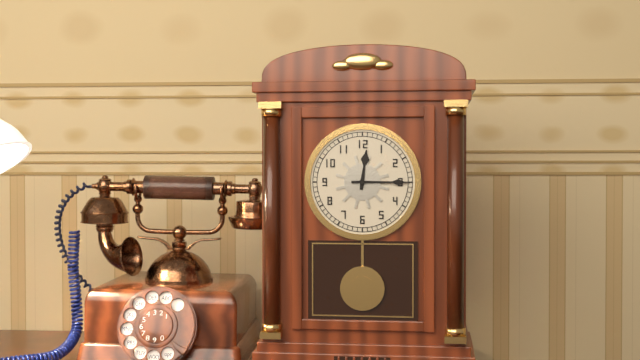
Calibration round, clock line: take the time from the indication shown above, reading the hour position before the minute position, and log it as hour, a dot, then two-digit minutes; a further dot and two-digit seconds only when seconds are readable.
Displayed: 12.15
